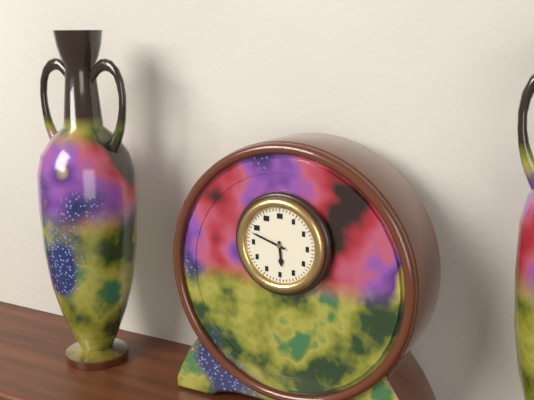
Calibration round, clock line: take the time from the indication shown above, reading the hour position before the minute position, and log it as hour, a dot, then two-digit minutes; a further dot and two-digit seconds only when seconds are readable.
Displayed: 5.48
